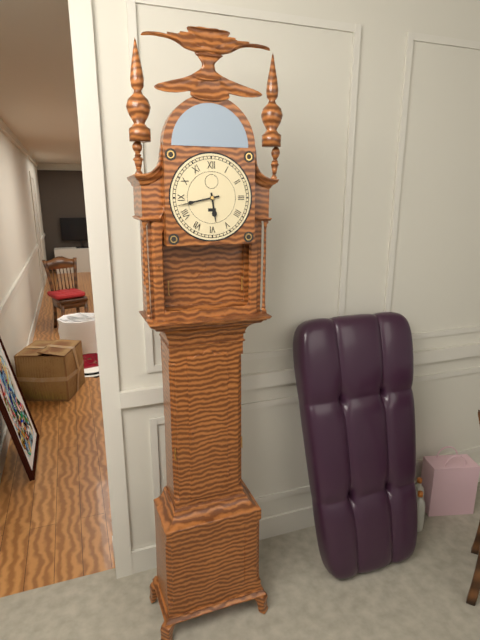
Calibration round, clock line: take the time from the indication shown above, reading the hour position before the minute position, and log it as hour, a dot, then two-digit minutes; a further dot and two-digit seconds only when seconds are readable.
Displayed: 5.43
